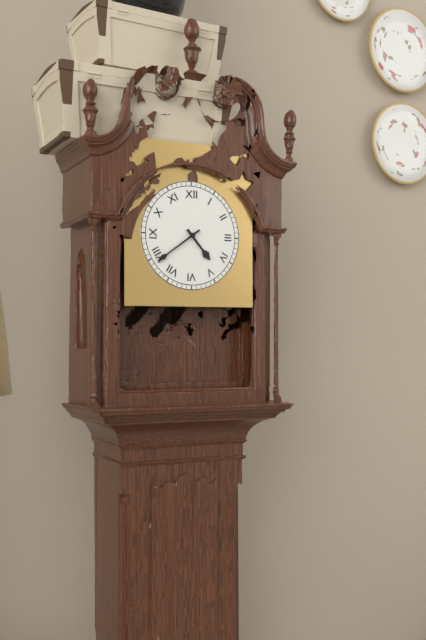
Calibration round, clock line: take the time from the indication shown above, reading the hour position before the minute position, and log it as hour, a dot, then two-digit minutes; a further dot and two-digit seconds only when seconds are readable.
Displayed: 4.39
